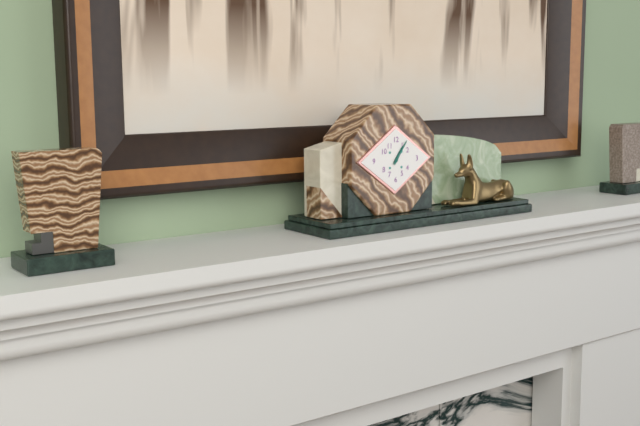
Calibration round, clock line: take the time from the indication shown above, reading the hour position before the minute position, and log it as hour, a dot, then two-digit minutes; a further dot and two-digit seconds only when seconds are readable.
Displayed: 1.06
